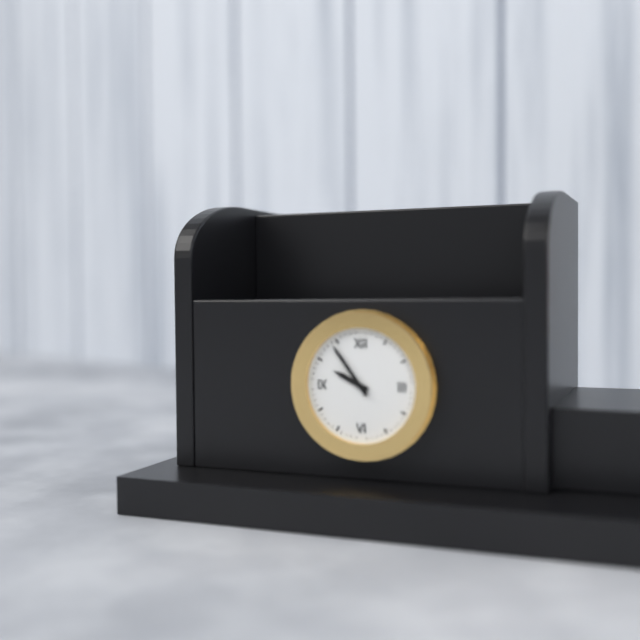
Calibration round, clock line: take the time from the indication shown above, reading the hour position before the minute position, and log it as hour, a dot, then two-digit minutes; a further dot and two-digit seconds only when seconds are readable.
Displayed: 9.54
